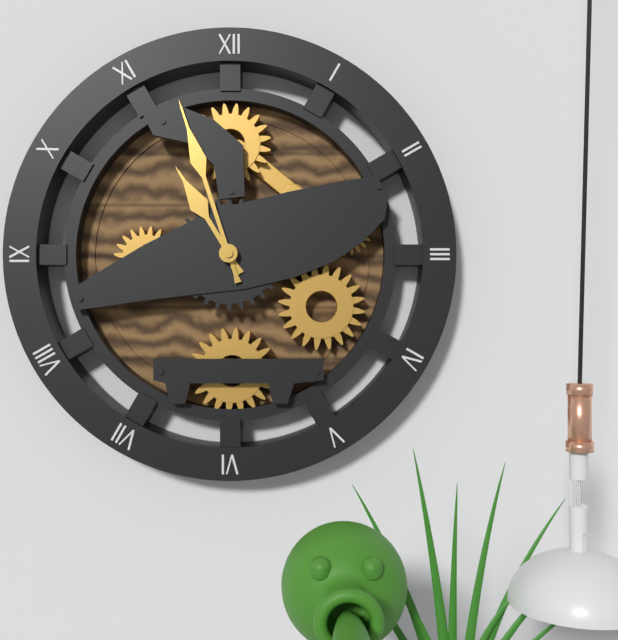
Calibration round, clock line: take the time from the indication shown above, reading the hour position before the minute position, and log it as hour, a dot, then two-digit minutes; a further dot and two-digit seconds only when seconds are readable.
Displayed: 10.57
